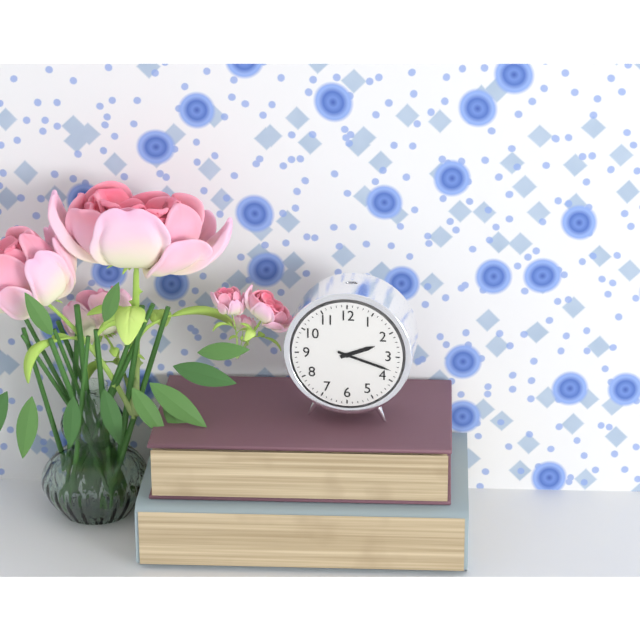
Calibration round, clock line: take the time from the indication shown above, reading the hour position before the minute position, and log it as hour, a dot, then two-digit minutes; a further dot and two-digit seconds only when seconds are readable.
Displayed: 2.18
